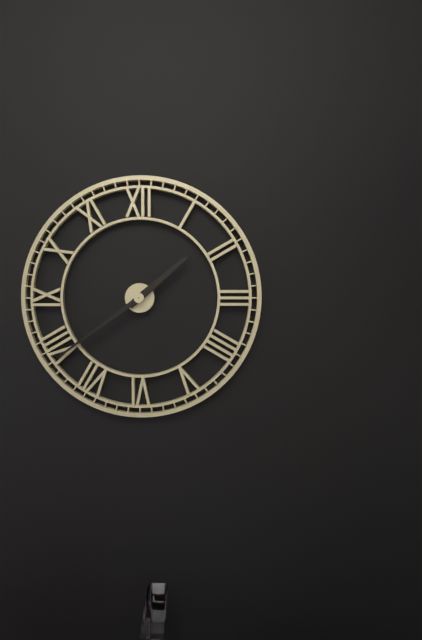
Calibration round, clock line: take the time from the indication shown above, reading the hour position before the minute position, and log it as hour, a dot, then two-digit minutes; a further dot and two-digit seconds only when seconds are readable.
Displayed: 1.39
